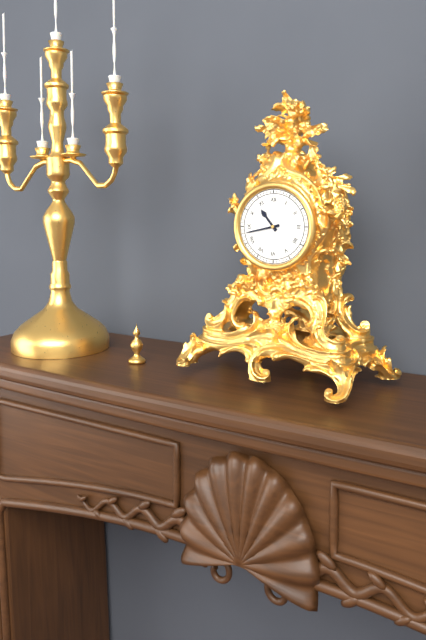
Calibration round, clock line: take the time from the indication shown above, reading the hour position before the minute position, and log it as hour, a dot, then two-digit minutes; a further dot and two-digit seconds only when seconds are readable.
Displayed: 10.43
